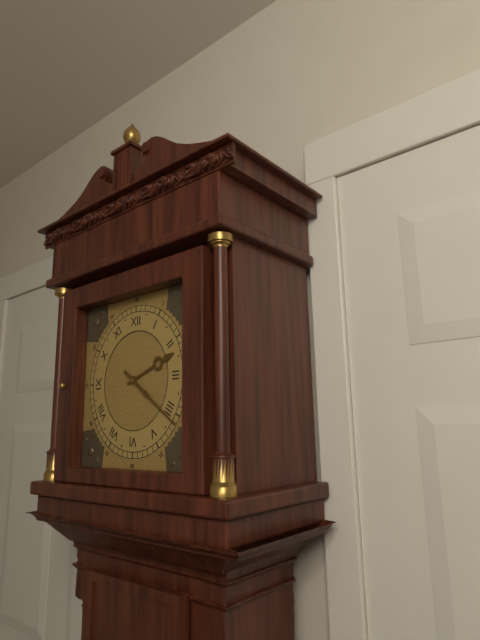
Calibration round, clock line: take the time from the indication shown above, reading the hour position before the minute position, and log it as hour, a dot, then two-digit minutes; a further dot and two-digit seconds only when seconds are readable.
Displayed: 2.21
